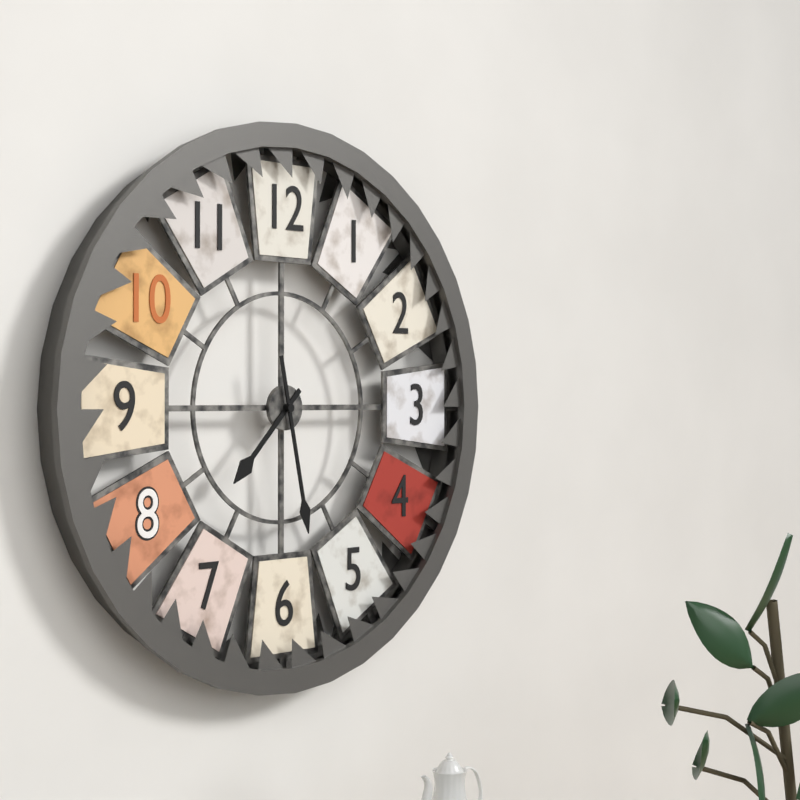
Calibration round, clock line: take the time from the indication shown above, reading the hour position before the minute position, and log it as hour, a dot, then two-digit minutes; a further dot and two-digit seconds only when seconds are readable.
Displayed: 7.28
